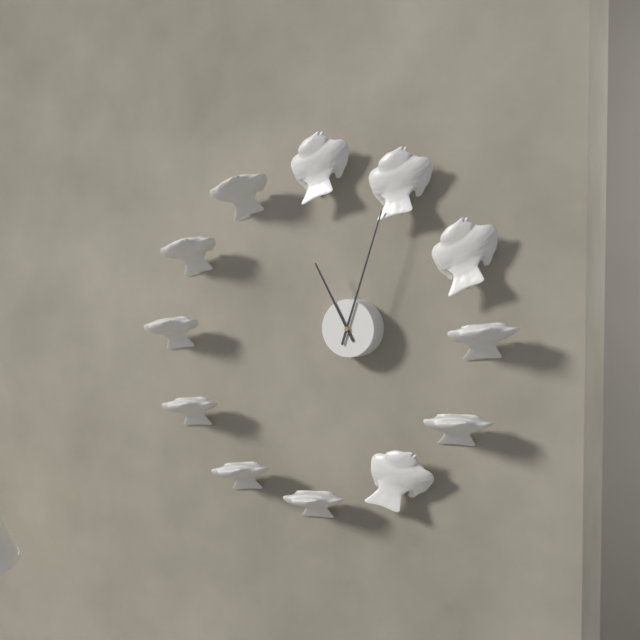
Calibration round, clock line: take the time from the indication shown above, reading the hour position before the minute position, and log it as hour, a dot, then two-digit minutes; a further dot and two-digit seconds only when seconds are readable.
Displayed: 11.03
